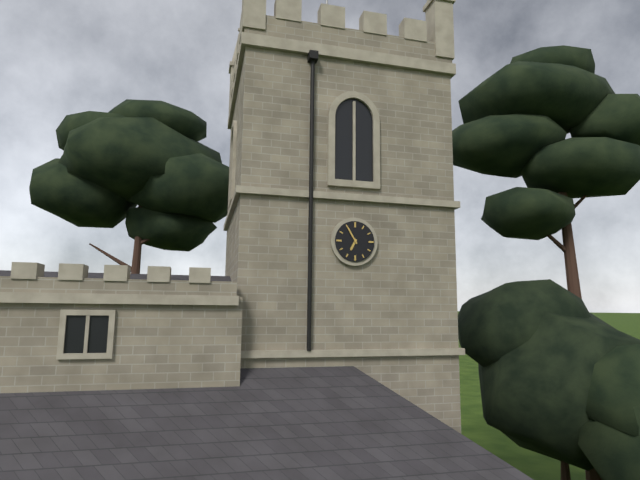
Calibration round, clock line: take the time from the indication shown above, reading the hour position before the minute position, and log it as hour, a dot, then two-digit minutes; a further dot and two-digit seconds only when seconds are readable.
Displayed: 6.55
